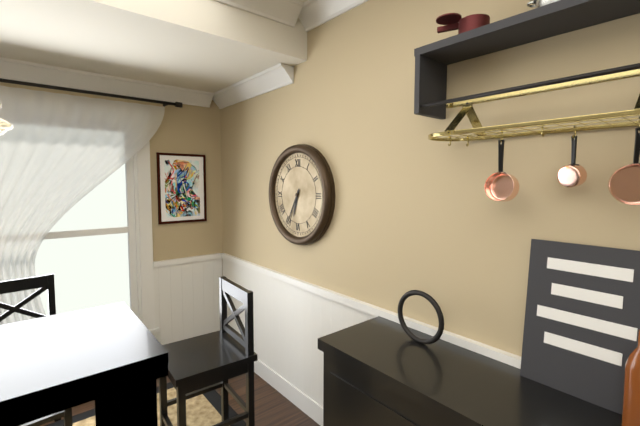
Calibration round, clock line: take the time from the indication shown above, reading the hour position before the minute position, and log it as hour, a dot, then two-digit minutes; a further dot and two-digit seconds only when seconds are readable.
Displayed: 6.35
